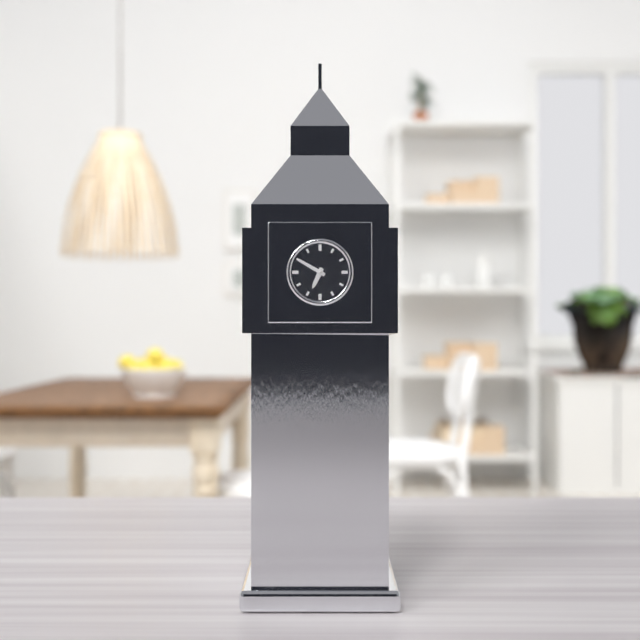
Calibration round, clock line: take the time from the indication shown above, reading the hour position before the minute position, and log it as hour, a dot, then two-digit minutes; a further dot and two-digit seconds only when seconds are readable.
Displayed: 6.50
